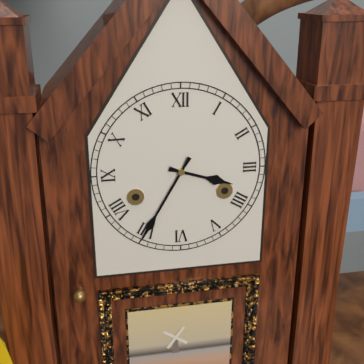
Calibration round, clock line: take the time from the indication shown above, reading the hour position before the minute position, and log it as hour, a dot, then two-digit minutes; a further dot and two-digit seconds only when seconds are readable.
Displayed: 3.35
